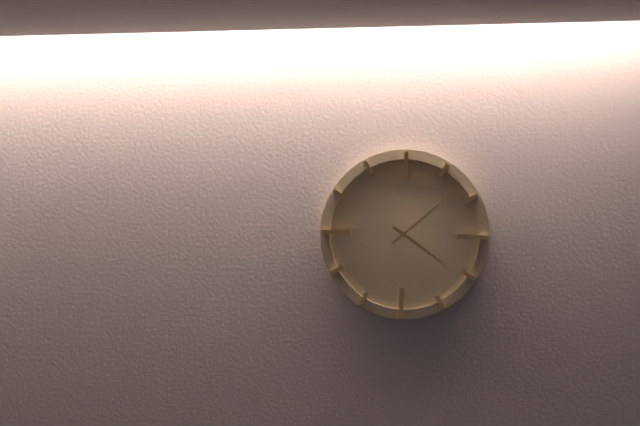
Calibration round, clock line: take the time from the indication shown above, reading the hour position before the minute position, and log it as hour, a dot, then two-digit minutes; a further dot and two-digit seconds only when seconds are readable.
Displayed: 4.08
